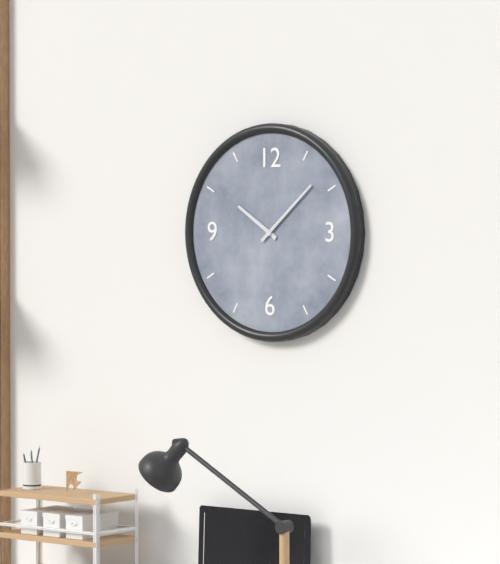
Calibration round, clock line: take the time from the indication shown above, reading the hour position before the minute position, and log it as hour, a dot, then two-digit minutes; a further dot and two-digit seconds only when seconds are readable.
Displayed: 10.08
